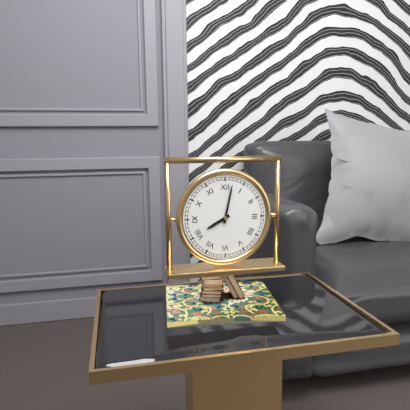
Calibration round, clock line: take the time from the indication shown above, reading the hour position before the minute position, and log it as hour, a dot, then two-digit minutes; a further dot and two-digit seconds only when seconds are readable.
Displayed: 8.02
